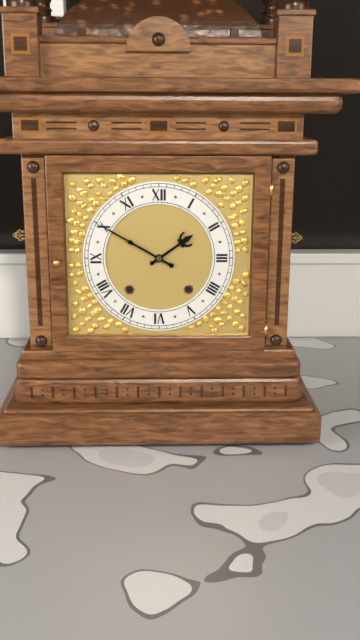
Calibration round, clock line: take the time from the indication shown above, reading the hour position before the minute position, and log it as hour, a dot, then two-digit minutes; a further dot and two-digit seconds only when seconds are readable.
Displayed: 1.50
